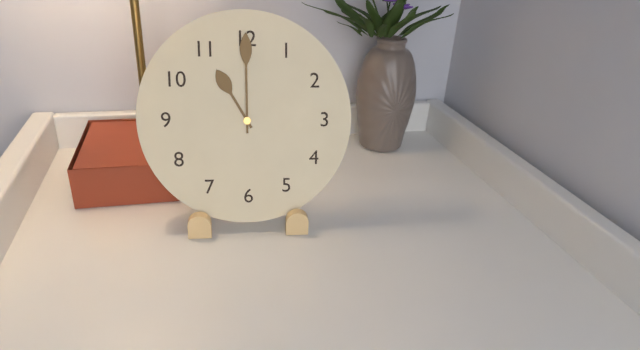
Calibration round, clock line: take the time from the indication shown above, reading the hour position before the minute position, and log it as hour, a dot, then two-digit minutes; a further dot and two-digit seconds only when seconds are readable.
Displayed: 11.00
